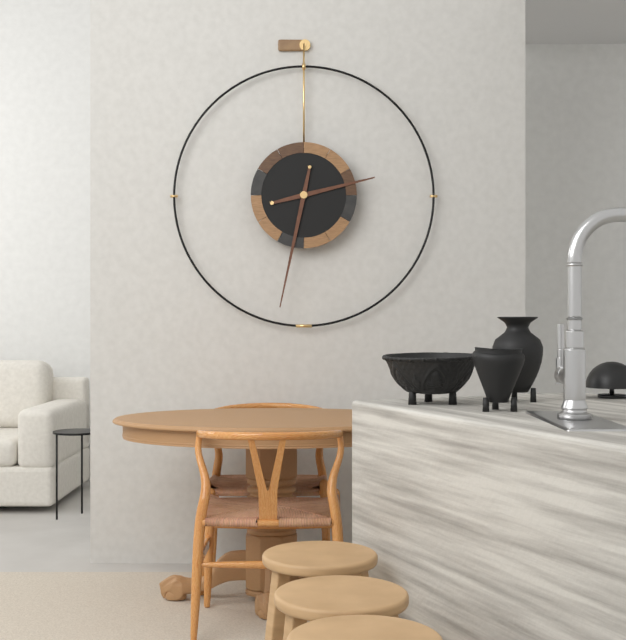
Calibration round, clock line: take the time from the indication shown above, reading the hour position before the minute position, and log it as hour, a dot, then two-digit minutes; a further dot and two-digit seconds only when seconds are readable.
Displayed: 2.32
